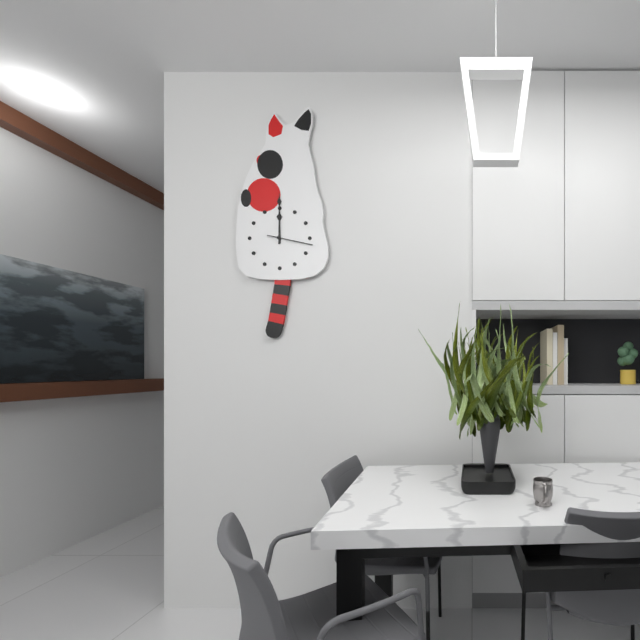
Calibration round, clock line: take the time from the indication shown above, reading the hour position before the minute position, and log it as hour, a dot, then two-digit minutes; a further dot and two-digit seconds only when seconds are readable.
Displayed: 12.00
